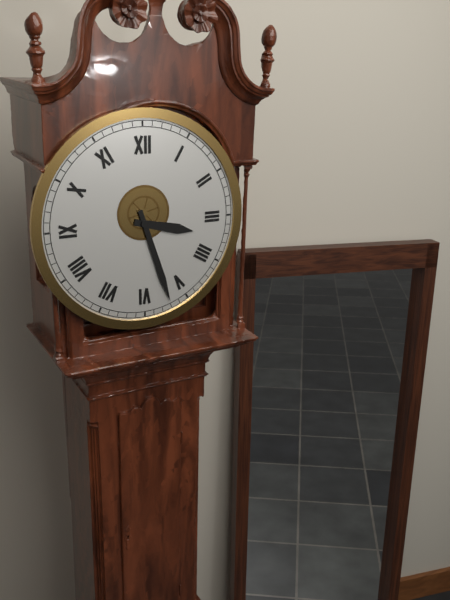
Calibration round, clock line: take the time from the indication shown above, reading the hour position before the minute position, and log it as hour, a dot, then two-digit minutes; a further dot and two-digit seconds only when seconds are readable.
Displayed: 3.27
